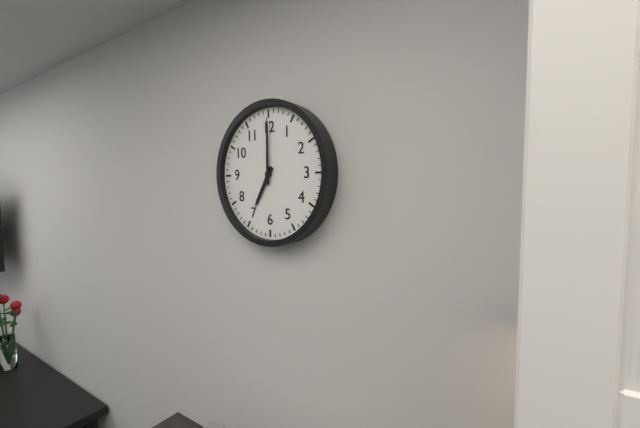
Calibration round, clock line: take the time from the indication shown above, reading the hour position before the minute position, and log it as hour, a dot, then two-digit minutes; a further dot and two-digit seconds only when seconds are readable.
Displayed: 7.00
